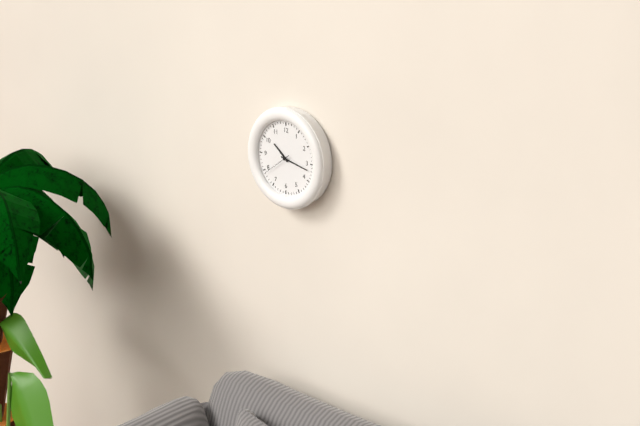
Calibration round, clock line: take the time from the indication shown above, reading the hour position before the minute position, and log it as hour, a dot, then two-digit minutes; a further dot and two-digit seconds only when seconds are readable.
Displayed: 10.17
